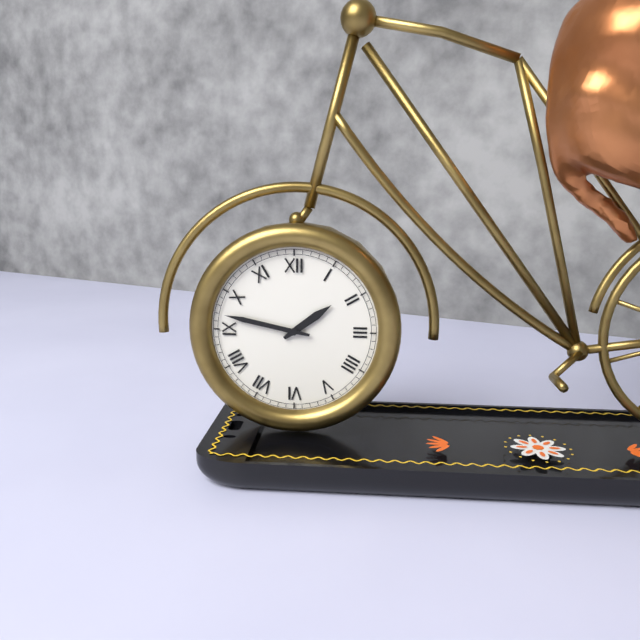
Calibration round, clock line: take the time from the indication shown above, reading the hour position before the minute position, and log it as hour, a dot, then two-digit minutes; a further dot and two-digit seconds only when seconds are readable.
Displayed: 1.47
